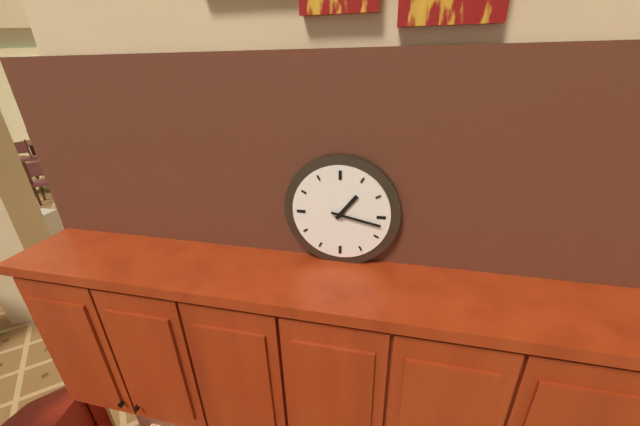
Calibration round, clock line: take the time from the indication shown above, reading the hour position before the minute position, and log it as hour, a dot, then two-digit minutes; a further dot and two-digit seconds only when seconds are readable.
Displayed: 1.17
